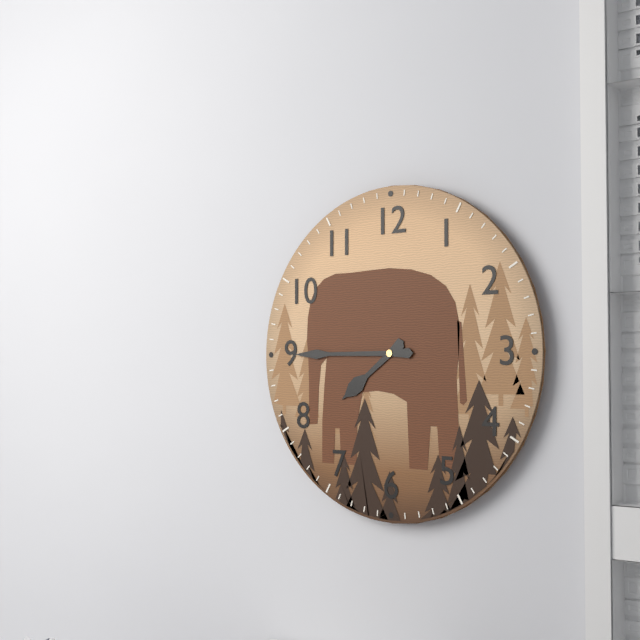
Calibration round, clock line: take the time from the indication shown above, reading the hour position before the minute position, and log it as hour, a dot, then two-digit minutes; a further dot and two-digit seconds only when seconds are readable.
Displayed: 7.45
